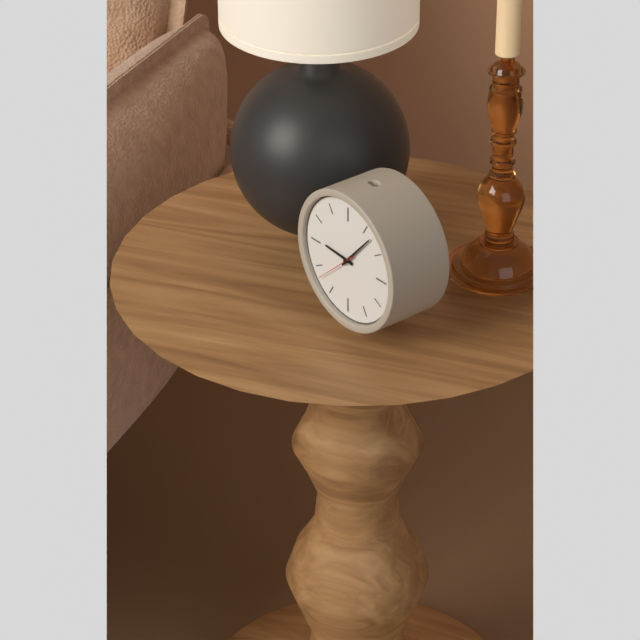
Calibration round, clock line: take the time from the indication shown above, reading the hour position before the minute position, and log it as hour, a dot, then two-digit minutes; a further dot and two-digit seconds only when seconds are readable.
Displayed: 9.07
